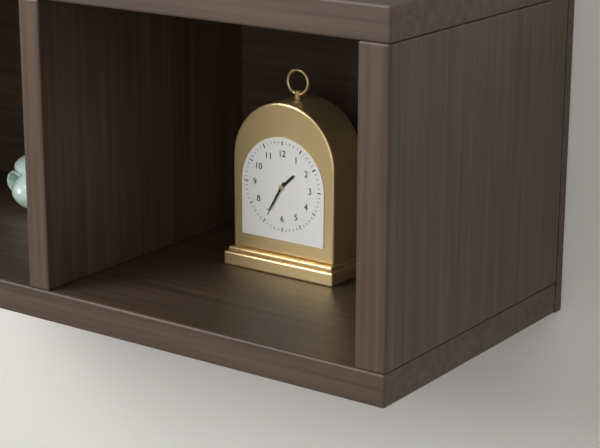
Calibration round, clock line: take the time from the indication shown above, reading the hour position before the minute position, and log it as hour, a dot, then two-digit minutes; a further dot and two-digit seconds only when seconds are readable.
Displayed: 1.35
